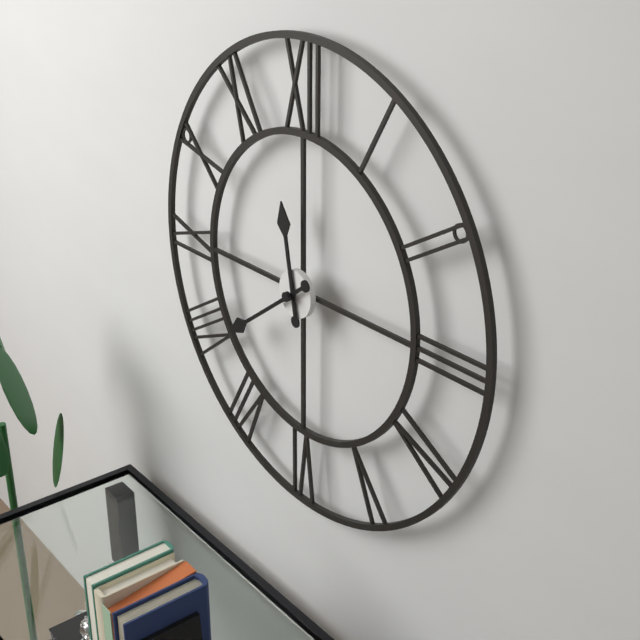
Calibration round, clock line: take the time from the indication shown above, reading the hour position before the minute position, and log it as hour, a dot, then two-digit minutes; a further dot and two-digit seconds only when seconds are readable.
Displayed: 11.39
